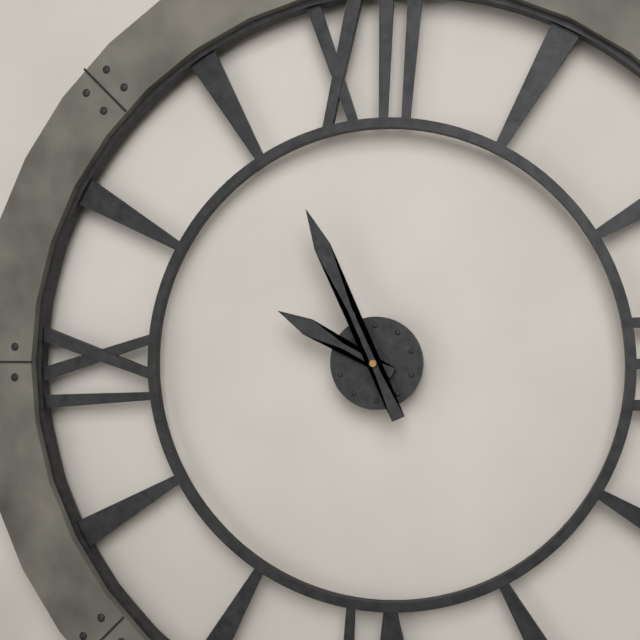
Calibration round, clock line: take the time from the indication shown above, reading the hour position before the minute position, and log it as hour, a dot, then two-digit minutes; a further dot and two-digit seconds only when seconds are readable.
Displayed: 9.56
